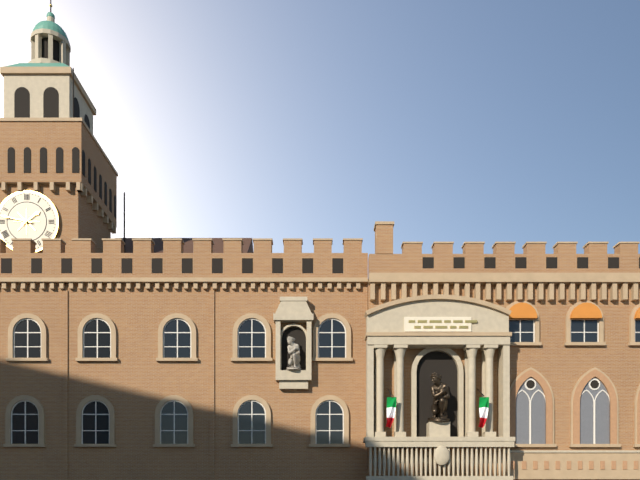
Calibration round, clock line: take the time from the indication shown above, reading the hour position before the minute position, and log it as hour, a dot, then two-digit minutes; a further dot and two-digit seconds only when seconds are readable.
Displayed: 1.47
